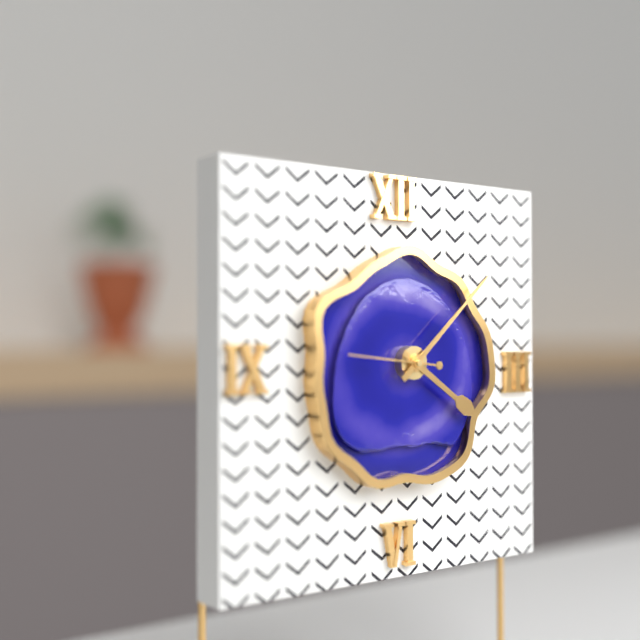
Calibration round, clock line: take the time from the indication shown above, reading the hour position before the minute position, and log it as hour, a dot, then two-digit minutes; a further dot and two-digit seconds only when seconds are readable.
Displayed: 4.08
